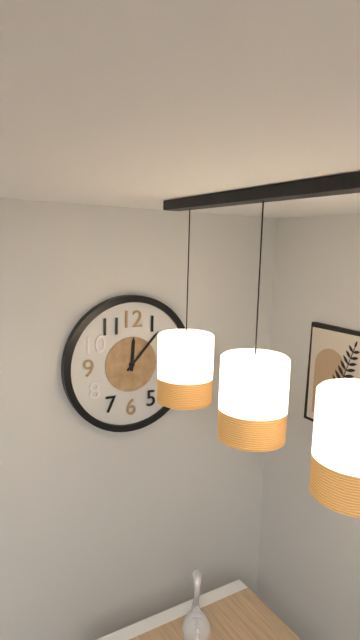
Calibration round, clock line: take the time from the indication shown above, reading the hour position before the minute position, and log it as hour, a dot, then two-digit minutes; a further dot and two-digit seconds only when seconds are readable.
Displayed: 12.07
